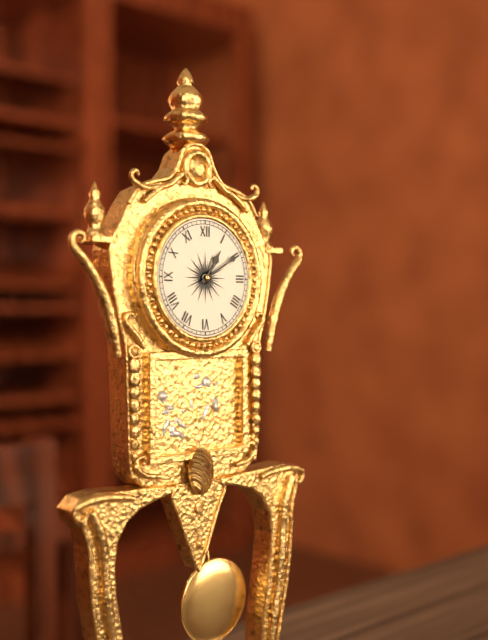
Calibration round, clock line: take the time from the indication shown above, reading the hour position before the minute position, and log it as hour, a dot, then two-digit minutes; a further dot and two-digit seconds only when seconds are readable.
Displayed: 1.10
